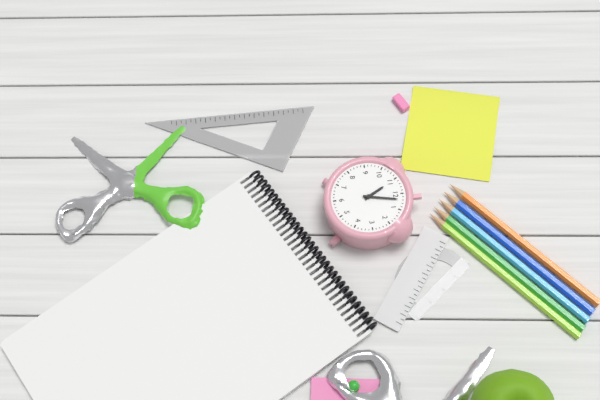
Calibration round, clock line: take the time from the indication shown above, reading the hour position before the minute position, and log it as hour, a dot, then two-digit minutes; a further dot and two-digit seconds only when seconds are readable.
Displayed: 11.02
